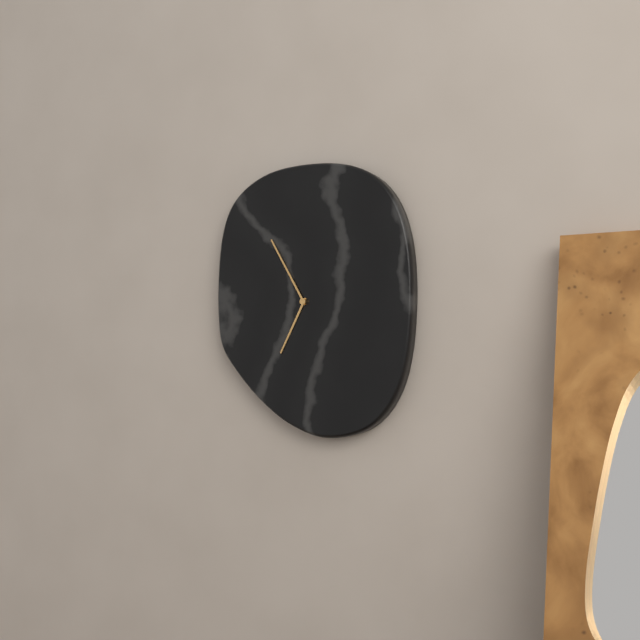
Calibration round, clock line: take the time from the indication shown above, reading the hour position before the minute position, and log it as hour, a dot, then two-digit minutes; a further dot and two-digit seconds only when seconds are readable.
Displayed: 6.55
